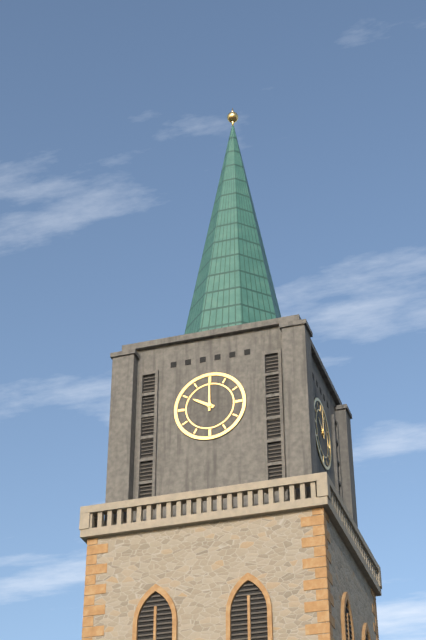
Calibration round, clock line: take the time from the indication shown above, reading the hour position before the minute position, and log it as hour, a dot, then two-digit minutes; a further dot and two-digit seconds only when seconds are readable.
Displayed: 10.00
